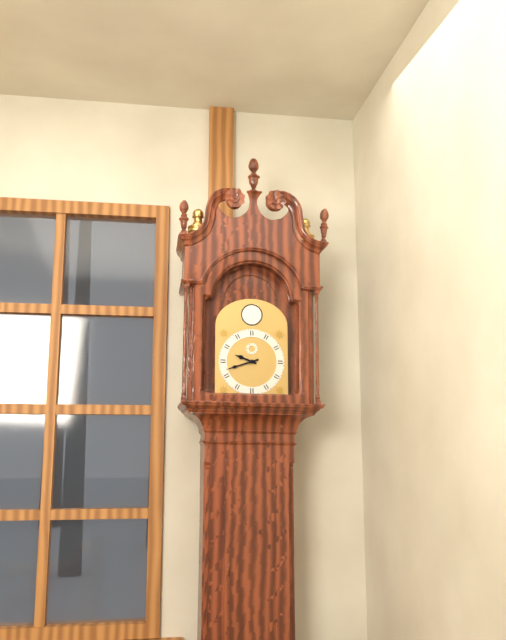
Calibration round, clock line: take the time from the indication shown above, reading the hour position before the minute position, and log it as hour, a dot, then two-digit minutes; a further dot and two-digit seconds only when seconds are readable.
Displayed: 9.42
